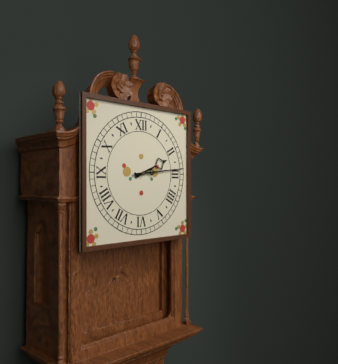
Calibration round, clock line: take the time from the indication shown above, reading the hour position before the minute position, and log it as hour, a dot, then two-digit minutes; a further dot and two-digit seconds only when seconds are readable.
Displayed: 2.14
